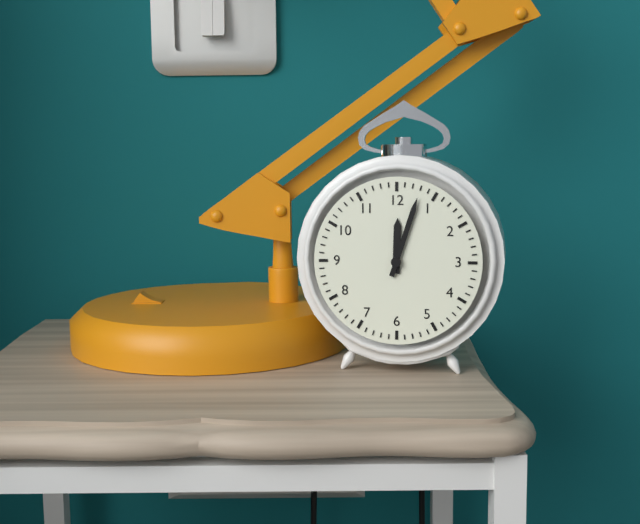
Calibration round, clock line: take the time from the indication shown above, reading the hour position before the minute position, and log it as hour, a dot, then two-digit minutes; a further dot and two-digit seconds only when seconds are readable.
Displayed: 12.03
